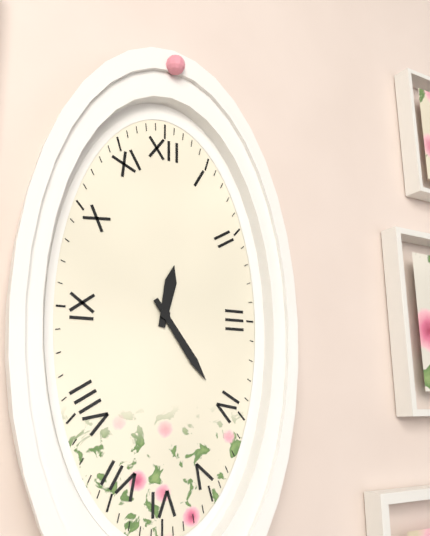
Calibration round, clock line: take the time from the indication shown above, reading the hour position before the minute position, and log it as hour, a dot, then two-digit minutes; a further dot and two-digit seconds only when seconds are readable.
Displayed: 12.24
